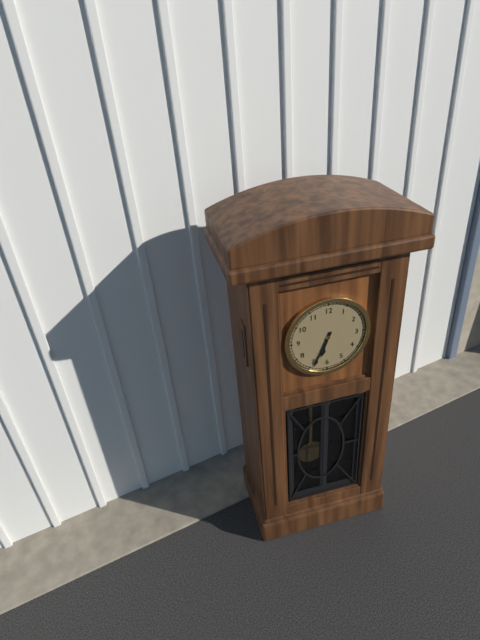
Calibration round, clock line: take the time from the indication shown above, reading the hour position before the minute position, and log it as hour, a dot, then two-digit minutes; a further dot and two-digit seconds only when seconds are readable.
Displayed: 6.34
